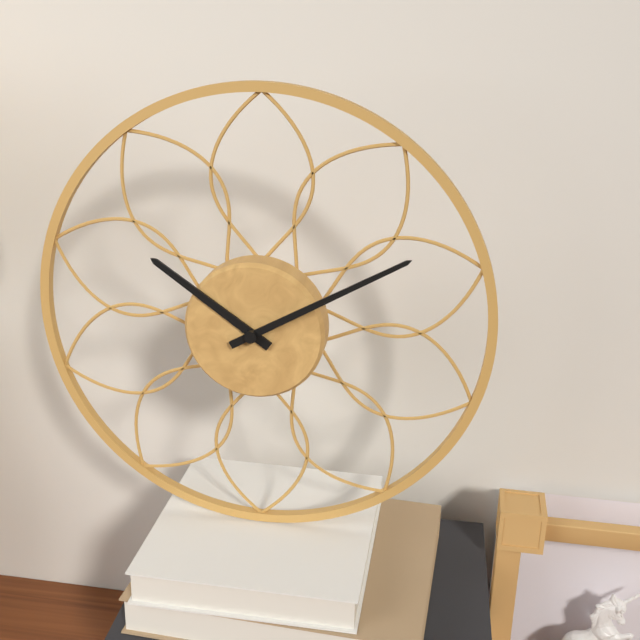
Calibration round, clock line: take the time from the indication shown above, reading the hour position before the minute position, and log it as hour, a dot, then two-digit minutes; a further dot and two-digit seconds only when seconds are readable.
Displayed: 10.10
